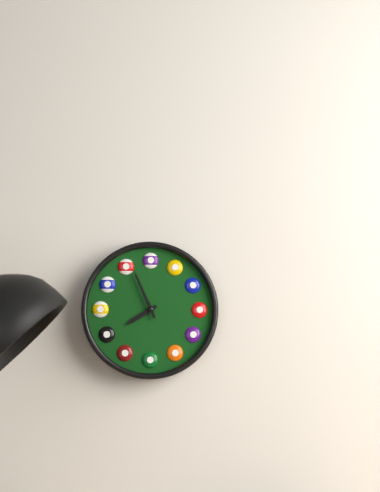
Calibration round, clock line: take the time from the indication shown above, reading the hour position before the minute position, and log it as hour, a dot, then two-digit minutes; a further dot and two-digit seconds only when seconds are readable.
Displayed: 7.56
